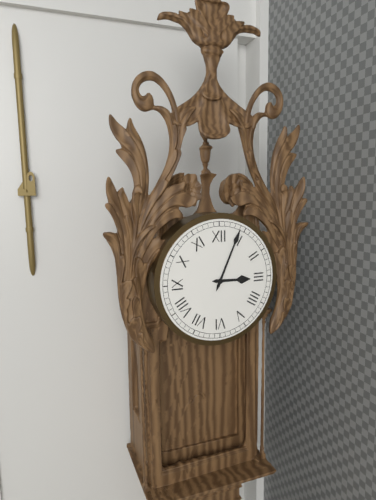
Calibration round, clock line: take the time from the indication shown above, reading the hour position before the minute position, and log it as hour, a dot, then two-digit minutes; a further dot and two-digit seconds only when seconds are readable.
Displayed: 3.04
